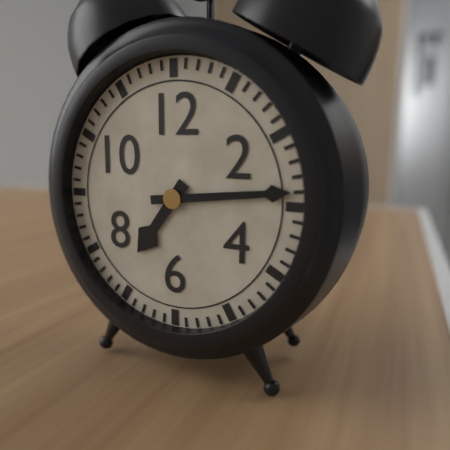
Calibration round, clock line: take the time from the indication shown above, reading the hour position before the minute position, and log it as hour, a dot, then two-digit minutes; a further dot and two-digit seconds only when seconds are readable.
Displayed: 7.14
